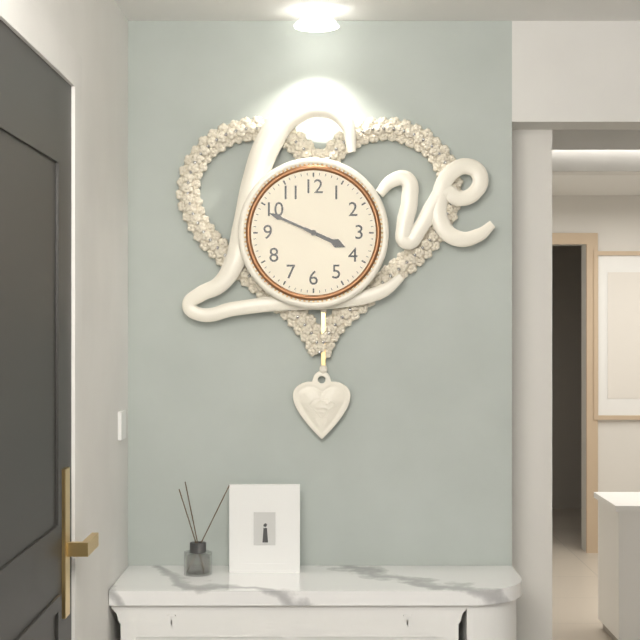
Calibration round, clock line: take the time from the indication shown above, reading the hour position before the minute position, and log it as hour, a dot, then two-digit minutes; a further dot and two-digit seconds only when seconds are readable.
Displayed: 3.49
